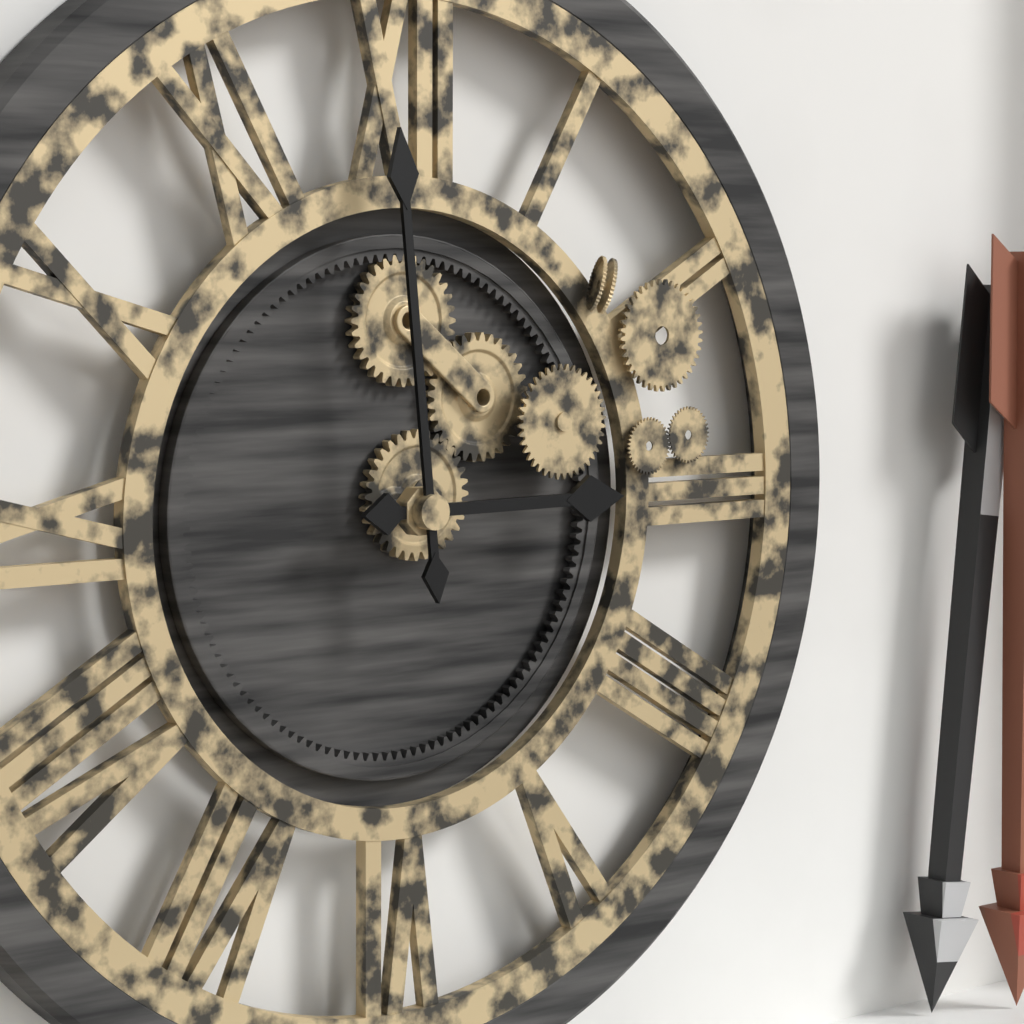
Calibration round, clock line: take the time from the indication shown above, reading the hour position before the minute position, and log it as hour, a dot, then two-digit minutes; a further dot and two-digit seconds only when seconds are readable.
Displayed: 2.59
